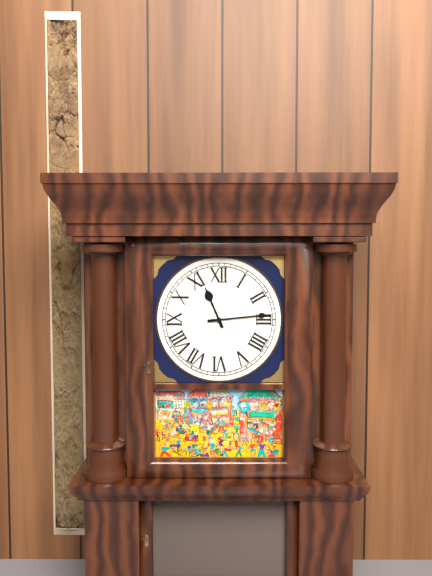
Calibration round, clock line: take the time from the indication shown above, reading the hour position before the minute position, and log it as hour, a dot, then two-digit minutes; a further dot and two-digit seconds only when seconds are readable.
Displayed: 11.14
